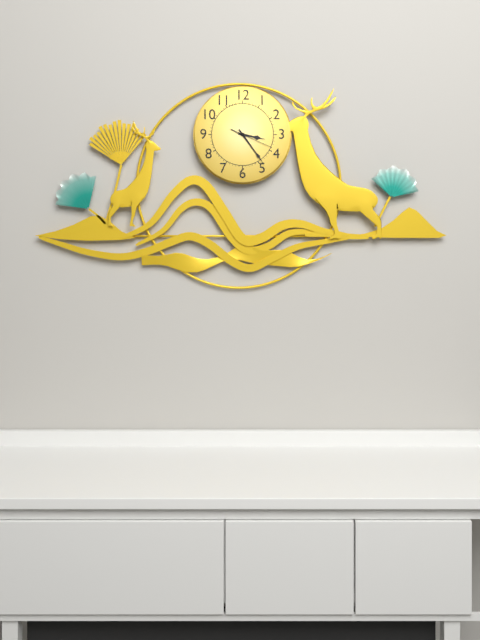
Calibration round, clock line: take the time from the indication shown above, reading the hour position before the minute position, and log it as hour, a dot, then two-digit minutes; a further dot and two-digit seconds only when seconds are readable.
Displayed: 3.24
